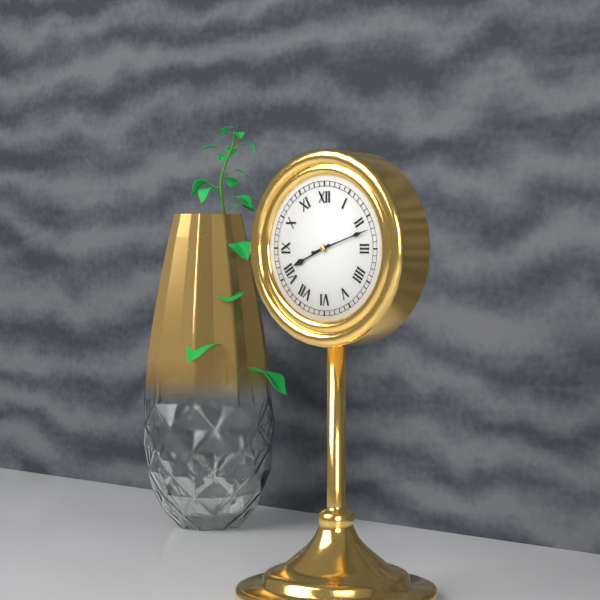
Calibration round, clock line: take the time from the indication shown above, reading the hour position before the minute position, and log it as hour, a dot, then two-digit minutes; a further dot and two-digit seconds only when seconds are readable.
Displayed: 8.12
